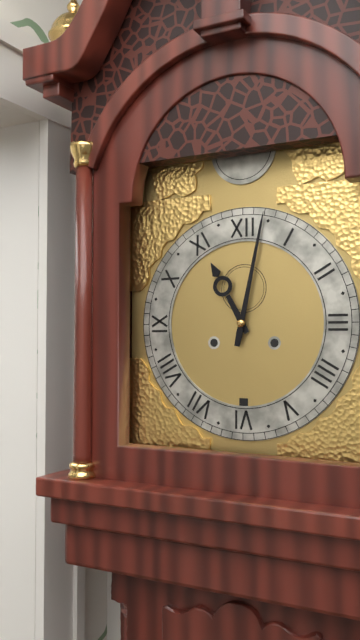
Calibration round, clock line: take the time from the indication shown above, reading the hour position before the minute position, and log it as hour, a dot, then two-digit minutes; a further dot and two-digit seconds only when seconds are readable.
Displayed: 11.02
